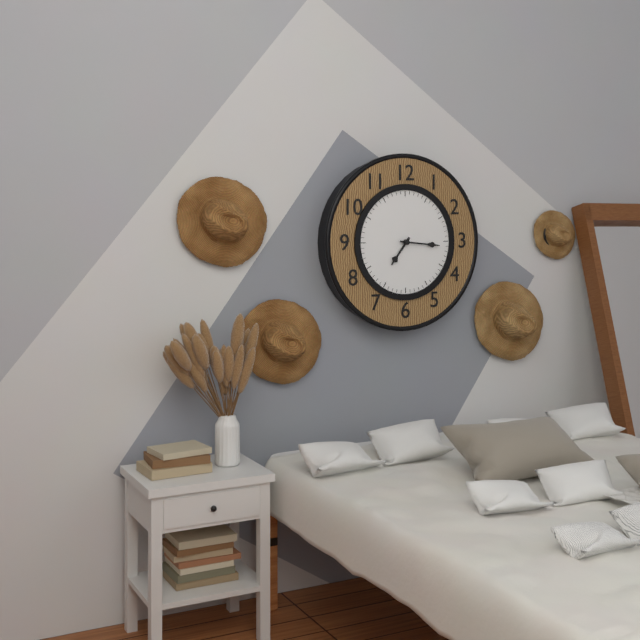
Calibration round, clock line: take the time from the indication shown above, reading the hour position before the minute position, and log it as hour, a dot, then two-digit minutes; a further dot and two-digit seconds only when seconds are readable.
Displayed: 7.16
